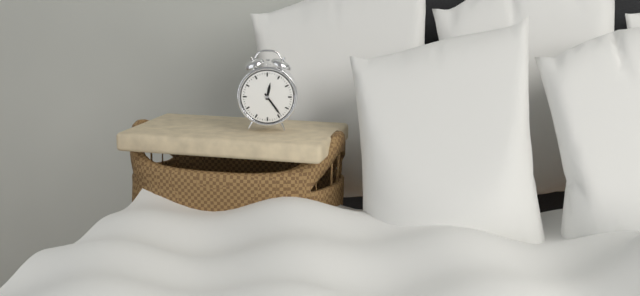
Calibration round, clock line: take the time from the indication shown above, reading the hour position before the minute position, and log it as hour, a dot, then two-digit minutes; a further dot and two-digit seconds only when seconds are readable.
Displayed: 12.24
